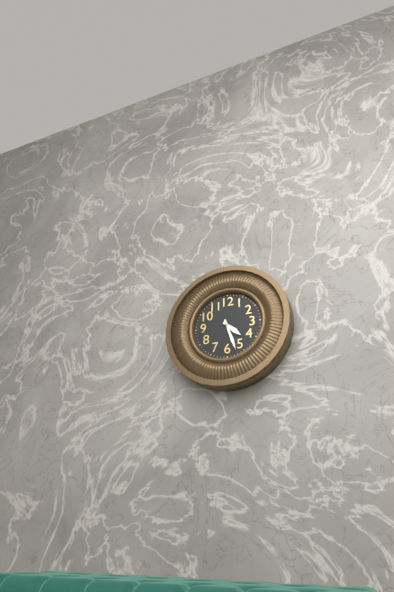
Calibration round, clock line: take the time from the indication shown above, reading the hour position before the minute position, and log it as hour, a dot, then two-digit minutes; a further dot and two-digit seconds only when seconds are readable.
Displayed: 4.27
